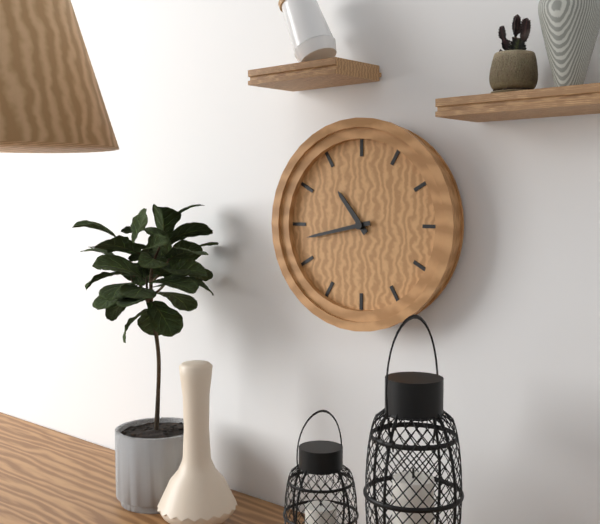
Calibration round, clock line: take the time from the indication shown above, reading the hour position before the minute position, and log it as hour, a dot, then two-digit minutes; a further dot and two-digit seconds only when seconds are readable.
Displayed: 10.43
